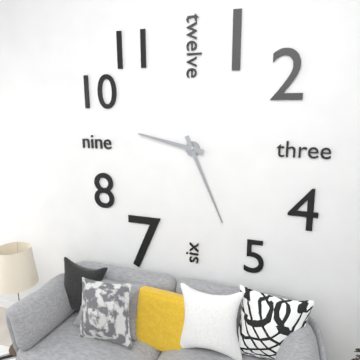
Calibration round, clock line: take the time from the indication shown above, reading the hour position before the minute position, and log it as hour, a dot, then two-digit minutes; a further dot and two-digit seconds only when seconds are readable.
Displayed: 9.26
